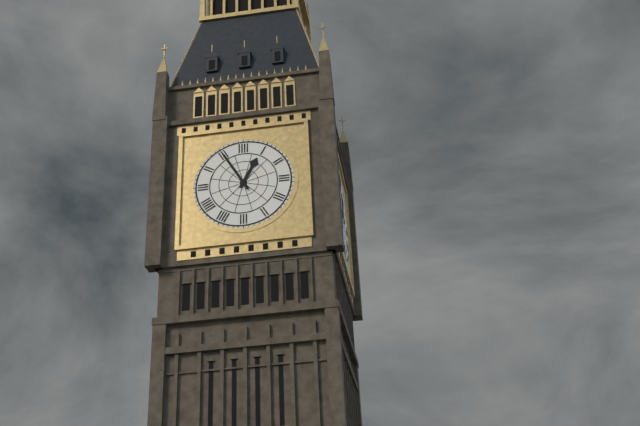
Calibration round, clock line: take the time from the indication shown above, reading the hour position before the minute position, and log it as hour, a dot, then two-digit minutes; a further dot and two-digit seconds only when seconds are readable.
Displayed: 12.55
